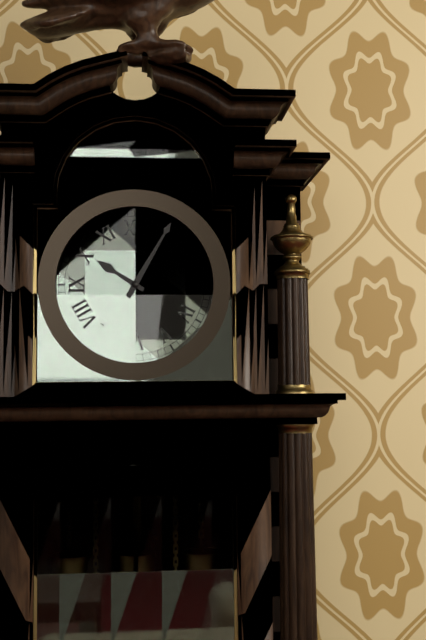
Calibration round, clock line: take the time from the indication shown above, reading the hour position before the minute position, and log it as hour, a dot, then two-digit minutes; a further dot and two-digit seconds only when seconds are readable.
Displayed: 10.05
